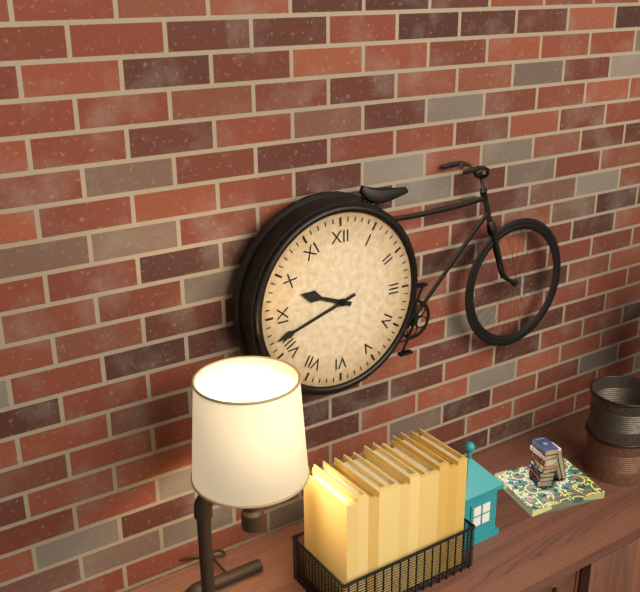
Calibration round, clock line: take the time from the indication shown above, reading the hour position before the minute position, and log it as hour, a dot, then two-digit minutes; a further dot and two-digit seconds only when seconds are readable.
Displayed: 9.42
